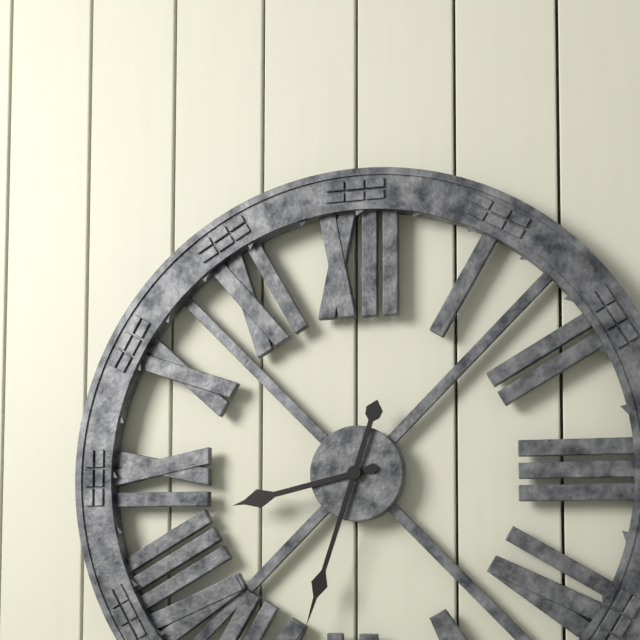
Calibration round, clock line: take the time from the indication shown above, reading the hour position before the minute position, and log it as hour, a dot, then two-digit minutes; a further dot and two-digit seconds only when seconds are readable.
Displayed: 8.33
